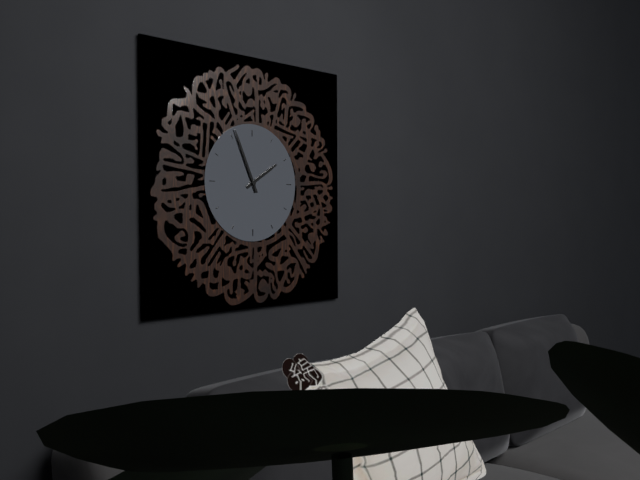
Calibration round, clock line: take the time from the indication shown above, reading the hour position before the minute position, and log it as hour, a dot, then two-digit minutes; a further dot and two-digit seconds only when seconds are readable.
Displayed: 1.56
